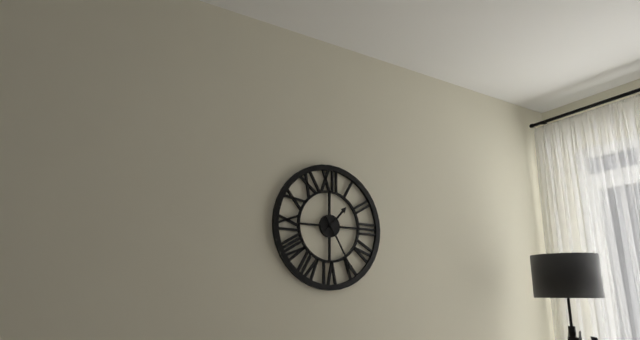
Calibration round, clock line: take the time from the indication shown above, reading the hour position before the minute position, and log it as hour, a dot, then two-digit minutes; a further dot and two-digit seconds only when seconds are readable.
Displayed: 1.25
